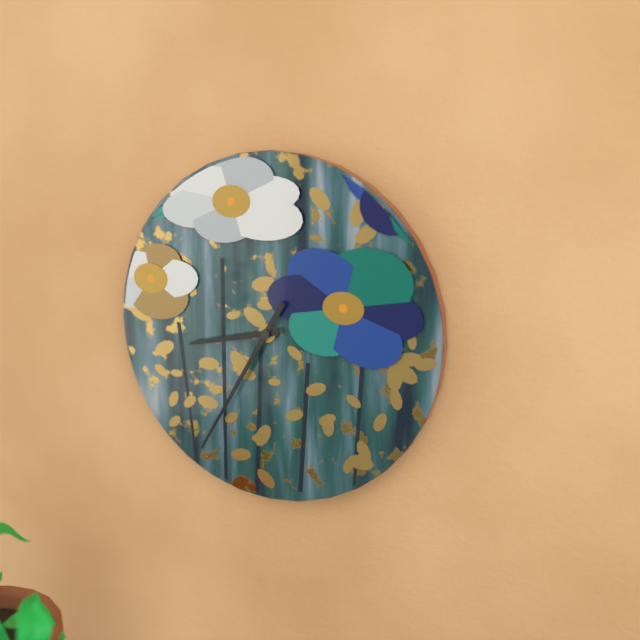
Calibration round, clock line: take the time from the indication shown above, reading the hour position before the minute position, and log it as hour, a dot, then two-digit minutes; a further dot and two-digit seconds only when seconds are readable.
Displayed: 8.35
